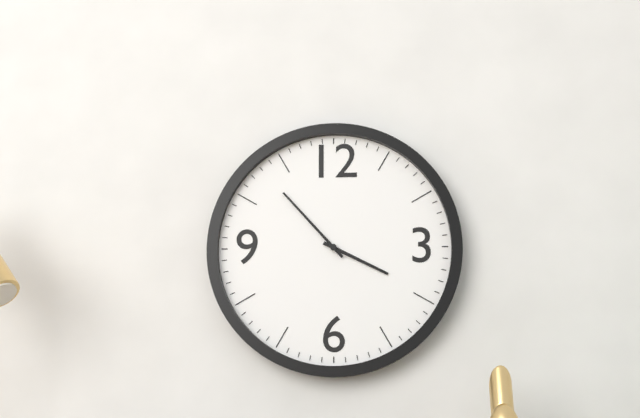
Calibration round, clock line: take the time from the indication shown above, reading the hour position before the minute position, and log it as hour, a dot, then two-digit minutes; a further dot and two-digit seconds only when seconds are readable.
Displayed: 3.53
